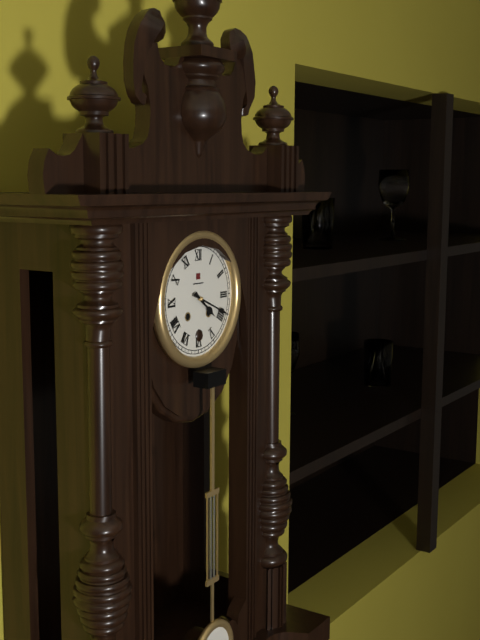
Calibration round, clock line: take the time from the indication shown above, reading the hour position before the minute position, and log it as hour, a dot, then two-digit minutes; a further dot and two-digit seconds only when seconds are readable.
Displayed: 4.19
